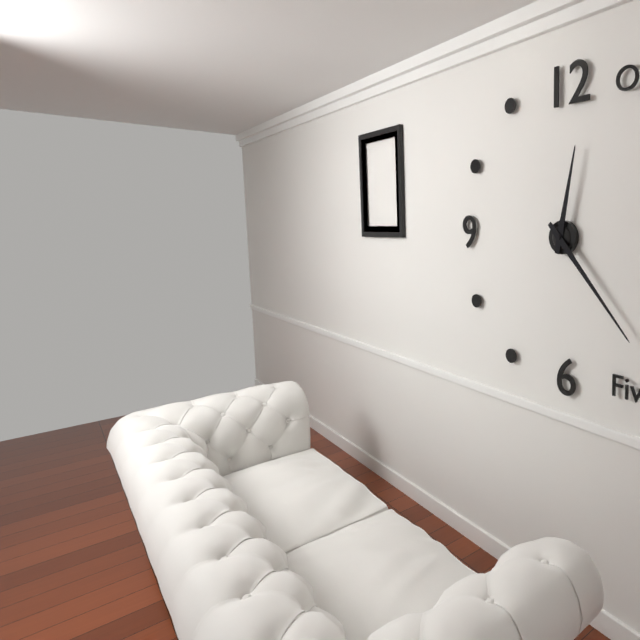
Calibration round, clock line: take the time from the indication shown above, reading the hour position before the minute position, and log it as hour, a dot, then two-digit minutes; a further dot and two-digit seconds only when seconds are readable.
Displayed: 12.23
